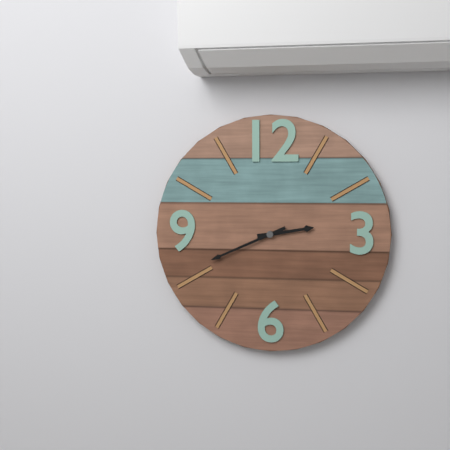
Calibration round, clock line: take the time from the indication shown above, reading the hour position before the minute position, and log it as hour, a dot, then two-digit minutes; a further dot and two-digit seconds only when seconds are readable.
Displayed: 2.41
